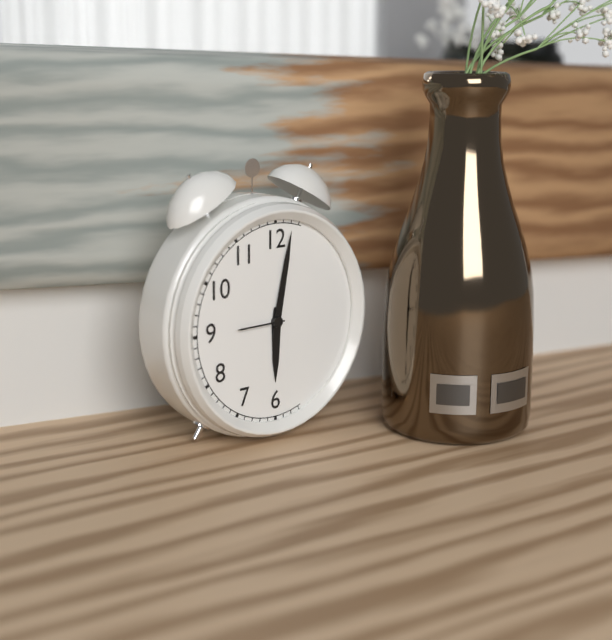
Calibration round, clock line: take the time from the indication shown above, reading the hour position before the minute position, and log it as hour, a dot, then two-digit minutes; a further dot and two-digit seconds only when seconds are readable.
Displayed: 6.02
